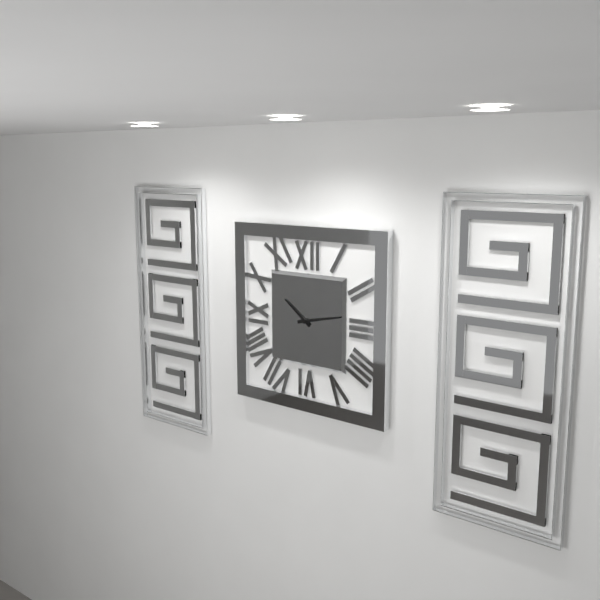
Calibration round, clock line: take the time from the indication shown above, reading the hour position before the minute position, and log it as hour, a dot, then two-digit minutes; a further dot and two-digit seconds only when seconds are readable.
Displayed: 10.13
